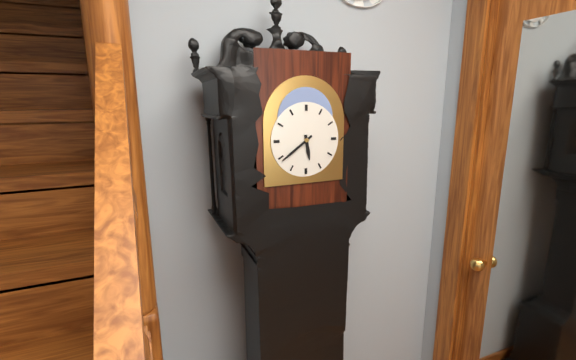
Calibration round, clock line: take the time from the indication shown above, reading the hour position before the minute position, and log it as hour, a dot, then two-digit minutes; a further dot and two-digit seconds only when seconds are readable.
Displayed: 5.39
